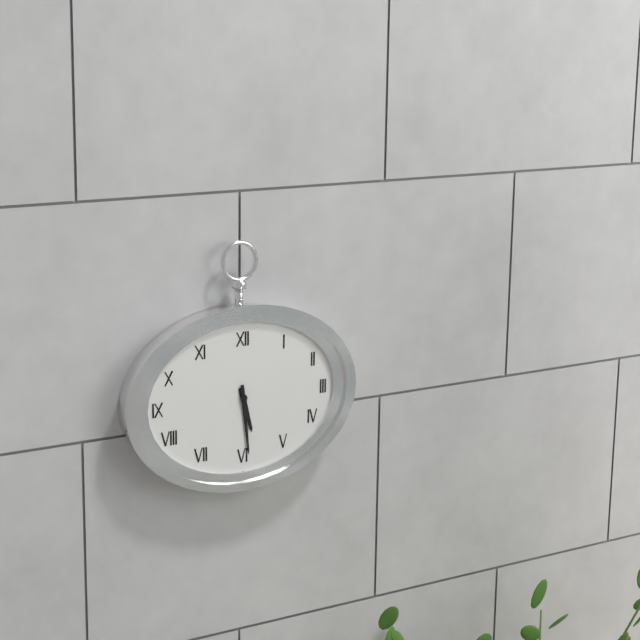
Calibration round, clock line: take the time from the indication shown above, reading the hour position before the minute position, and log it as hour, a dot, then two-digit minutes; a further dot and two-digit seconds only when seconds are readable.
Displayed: 5.29
